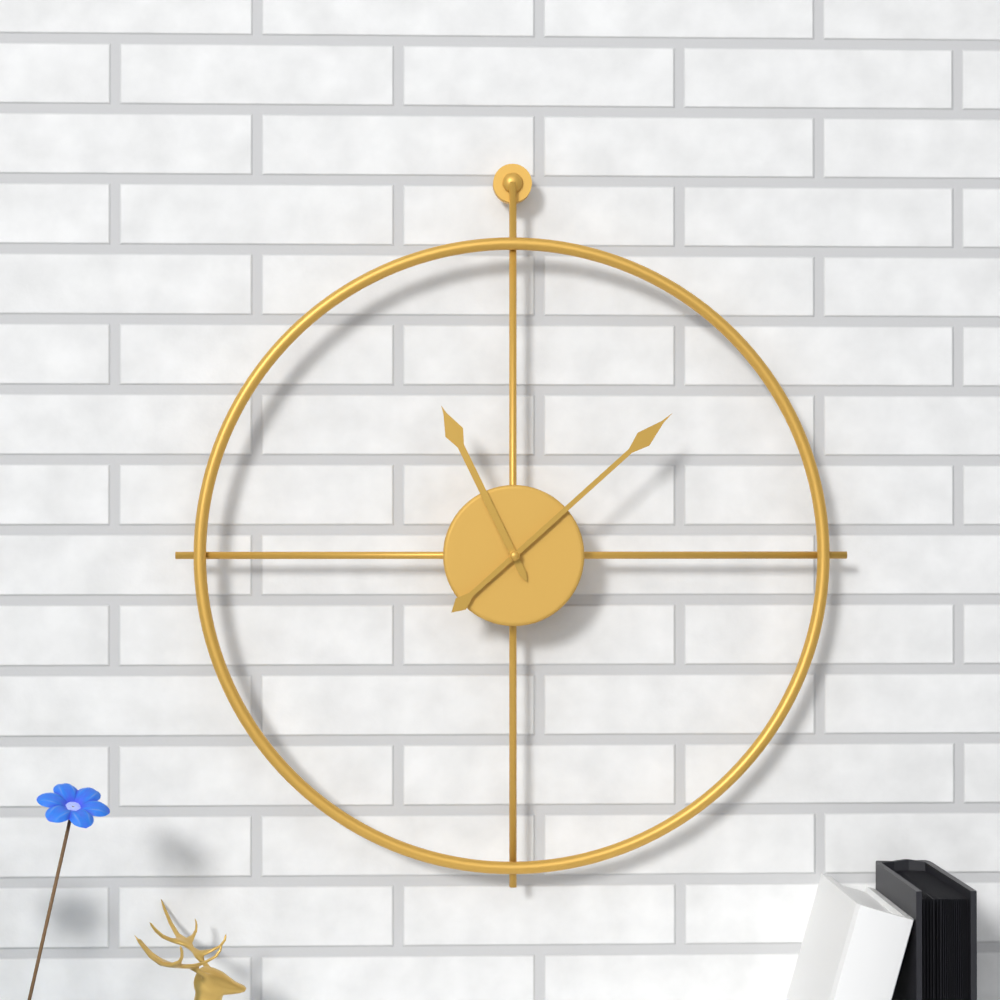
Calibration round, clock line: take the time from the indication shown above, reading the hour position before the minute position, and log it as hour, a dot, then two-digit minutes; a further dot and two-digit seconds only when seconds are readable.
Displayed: 11.08
